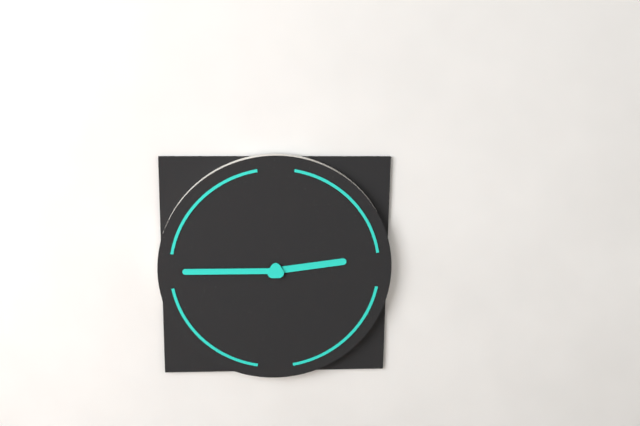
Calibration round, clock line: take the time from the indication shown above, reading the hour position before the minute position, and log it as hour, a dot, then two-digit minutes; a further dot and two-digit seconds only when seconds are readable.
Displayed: 2.45
